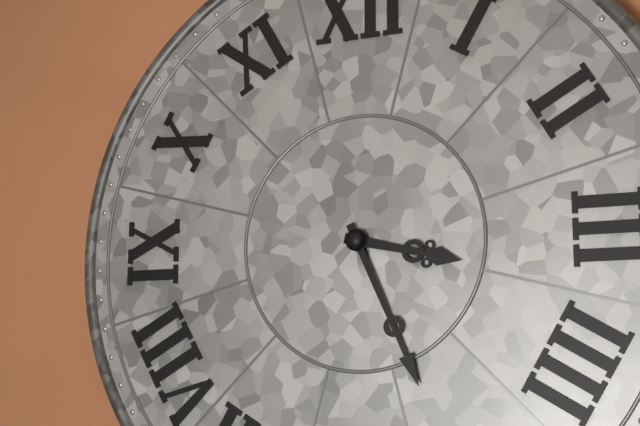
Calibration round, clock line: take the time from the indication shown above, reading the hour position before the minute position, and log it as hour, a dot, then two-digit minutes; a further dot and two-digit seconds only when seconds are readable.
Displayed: 3.26
